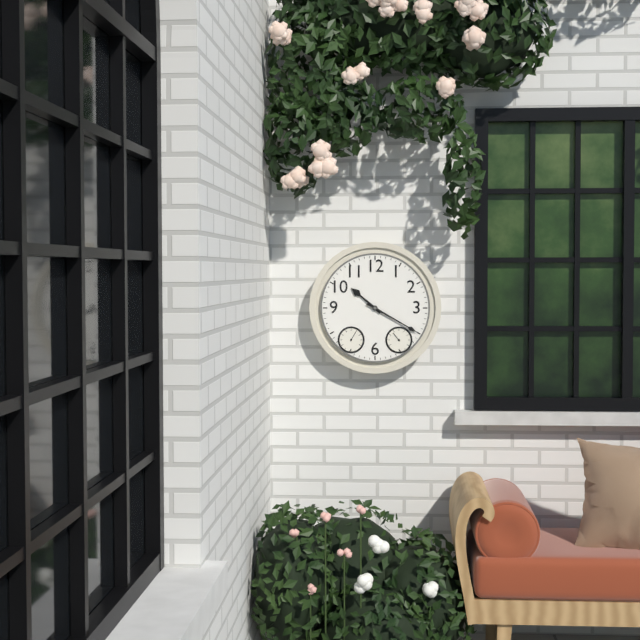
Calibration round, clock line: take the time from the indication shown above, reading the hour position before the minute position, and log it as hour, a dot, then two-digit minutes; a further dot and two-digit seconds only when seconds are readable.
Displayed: 10.20
